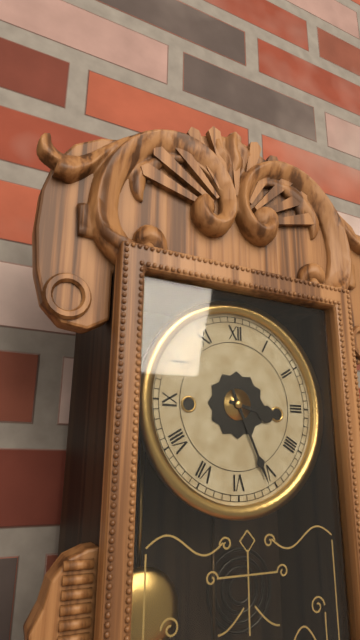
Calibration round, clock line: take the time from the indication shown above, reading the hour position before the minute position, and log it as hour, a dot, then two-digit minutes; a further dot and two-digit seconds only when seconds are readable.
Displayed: 3.26
